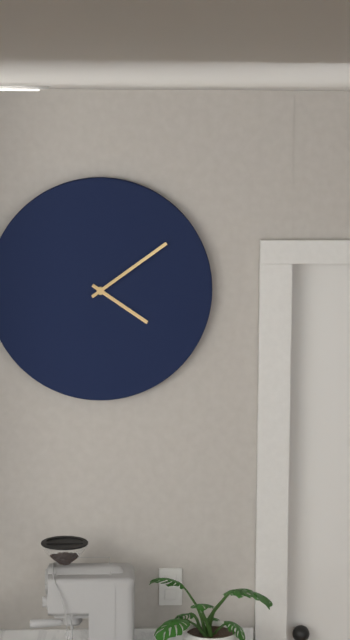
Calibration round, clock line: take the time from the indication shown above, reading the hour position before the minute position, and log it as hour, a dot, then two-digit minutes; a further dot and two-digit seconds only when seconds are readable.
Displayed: 4.09
